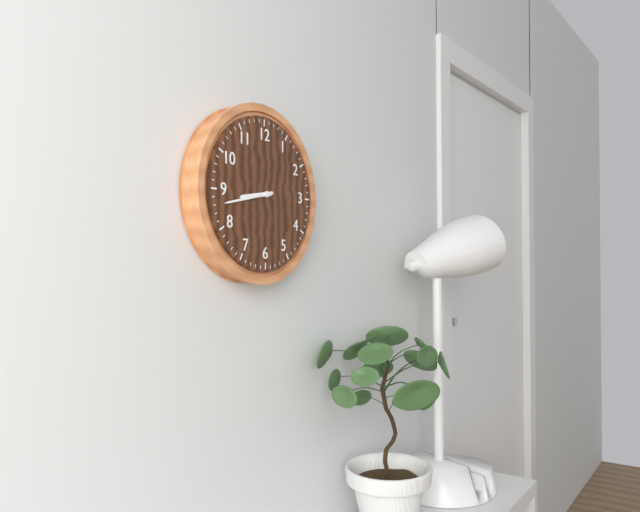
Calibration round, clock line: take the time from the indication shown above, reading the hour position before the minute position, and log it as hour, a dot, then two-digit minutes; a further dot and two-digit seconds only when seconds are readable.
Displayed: 8.43
